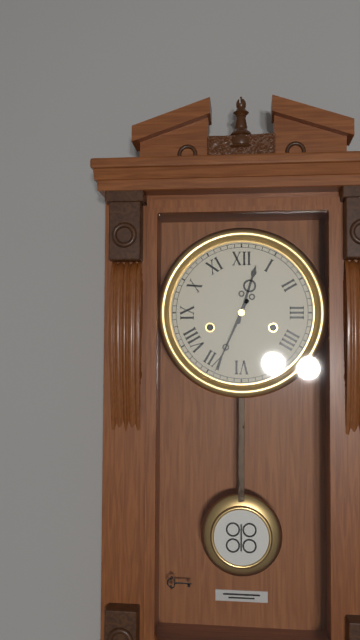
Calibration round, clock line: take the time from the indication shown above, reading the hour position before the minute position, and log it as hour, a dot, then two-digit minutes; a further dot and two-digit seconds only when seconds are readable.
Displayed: 12.34
